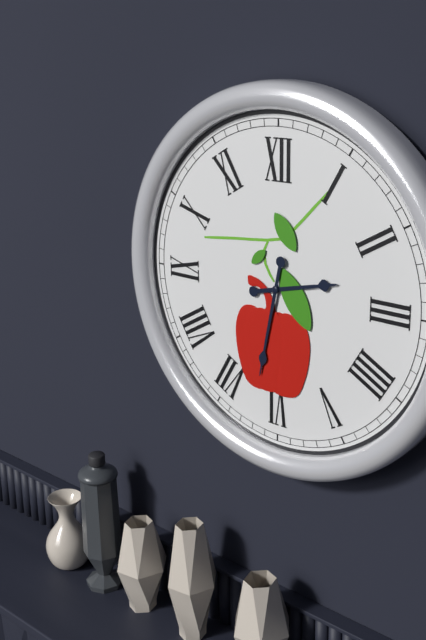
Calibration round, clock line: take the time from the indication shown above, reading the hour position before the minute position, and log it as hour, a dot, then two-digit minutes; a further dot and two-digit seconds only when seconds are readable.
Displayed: 2.32
